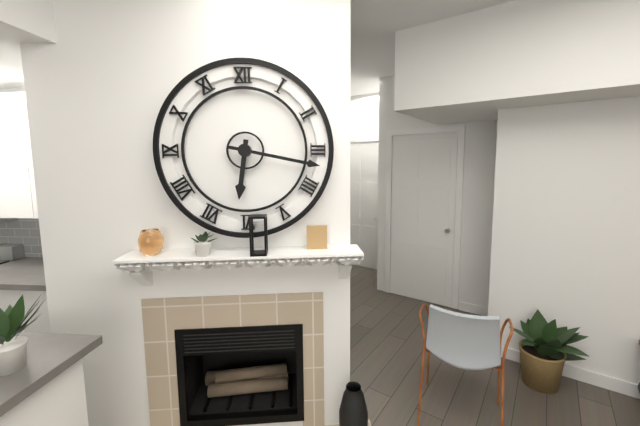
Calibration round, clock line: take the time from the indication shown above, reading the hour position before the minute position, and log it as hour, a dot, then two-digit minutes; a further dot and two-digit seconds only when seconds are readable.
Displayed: 6.17
